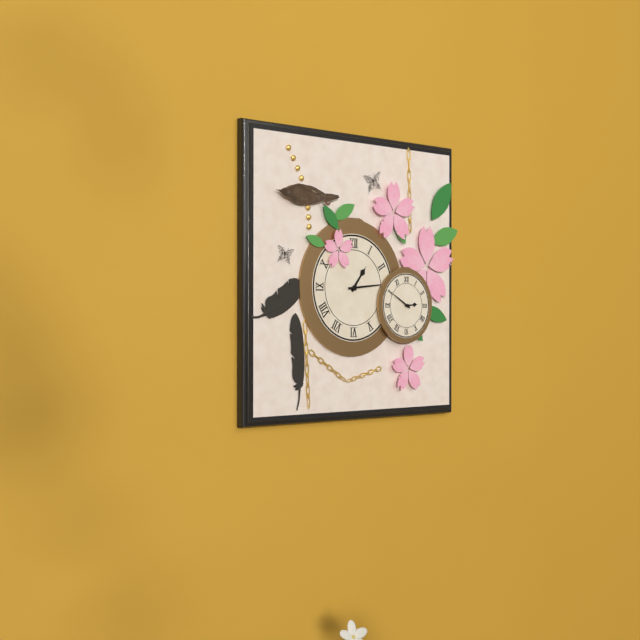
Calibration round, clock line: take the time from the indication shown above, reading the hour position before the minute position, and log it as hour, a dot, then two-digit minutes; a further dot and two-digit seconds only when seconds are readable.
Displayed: 1.14
